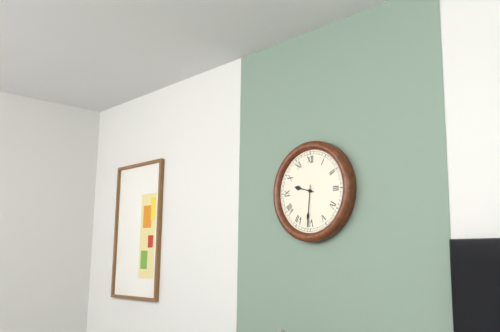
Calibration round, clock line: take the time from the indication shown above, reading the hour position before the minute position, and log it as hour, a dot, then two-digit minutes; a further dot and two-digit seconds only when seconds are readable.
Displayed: 9.31
